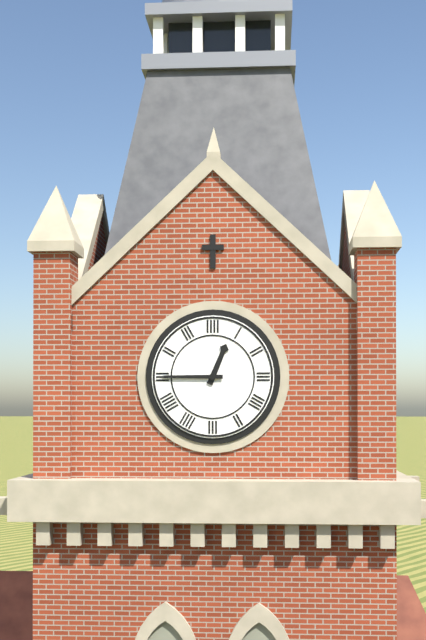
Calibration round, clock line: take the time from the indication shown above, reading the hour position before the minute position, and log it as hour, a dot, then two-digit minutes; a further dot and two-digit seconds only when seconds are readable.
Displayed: 12.45
